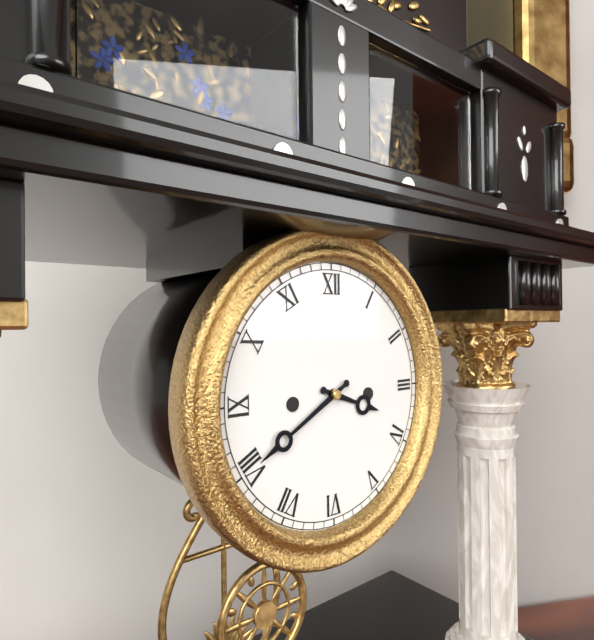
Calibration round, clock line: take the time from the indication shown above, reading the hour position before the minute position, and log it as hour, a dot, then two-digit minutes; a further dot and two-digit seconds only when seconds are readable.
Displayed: 3.40
